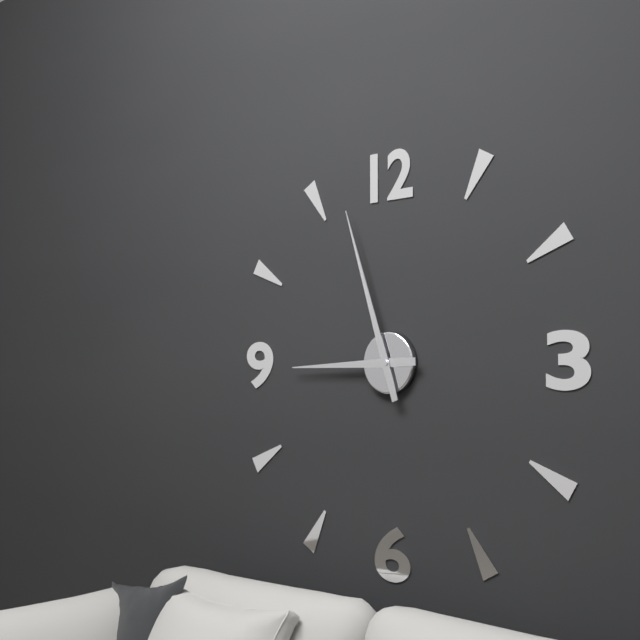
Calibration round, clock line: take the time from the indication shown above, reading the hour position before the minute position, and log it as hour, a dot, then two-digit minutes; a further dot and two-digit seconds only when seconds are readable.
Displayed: 8.57
